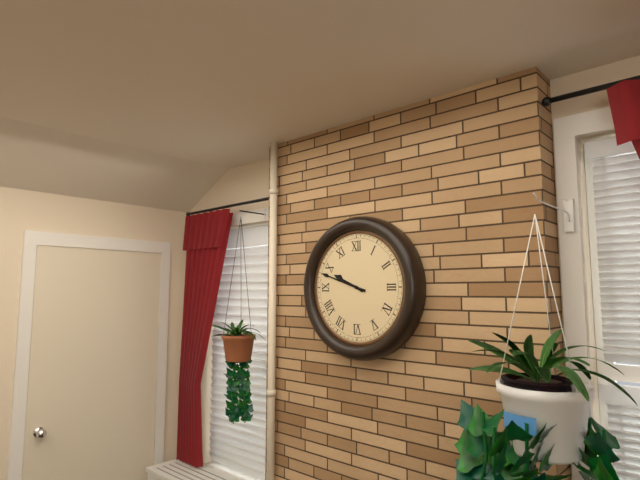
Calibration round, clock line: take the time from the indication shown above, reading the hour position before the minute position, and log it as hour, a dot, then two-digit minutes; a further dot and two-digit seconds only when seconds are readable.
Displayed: 9.48
